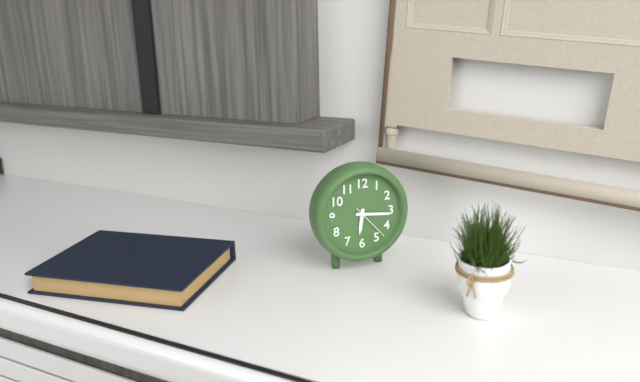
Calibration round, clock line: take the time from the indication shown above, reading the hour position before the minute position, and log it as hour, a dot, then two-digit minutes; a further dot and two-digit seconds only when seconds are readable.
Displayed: 6.16
